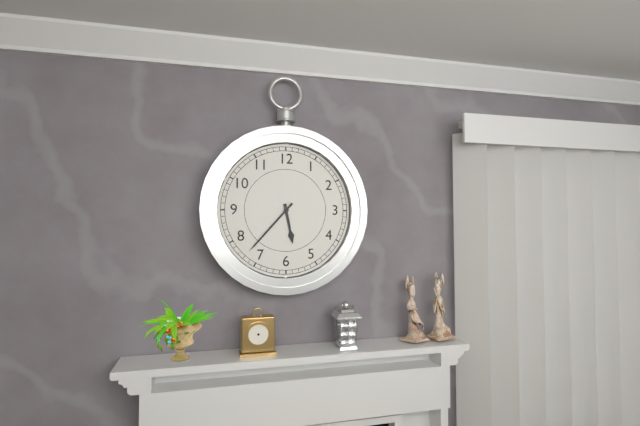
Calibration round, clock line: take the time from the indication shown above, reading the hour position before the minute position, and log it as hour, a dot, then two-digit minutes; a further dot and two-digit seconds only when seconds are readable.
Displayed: 5.37
